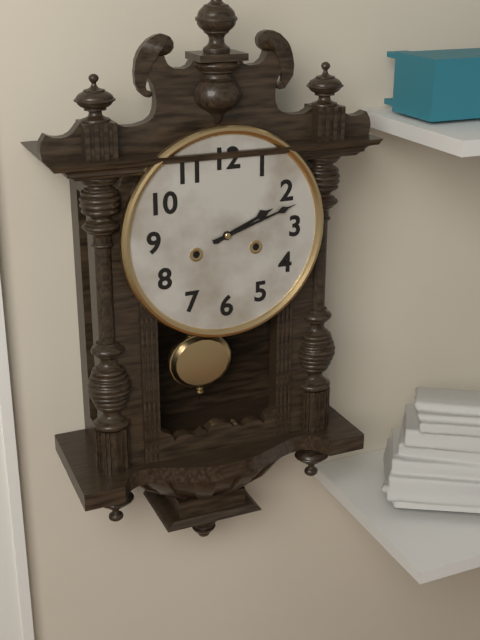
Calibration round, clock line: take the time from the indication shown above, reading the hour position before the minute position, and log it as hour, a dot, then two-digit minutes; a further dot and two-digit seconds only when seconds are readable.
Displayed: 2.12
